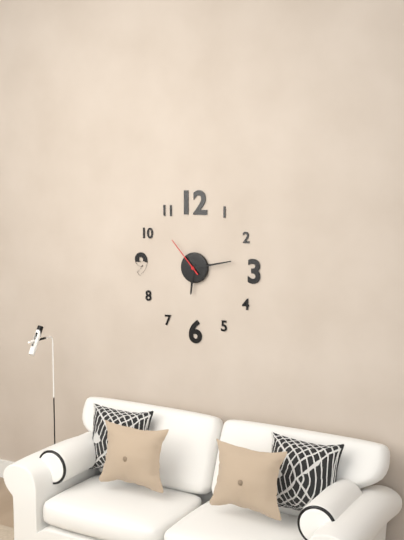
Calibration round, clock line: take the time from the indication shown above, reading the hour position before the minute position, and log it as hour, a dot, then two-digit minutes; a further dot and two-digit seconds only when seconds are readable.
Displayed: 6.13
